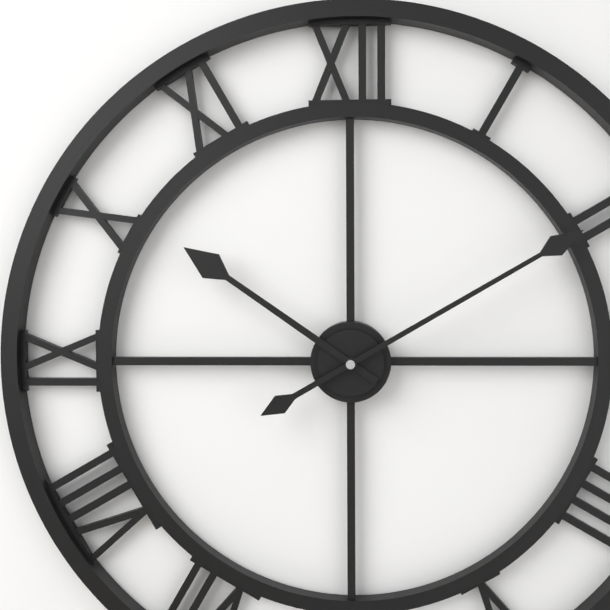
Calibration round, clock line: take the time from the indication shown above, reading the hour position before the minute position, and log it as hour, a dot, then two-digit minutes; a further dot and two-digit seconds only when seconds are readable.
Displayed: 10.10
